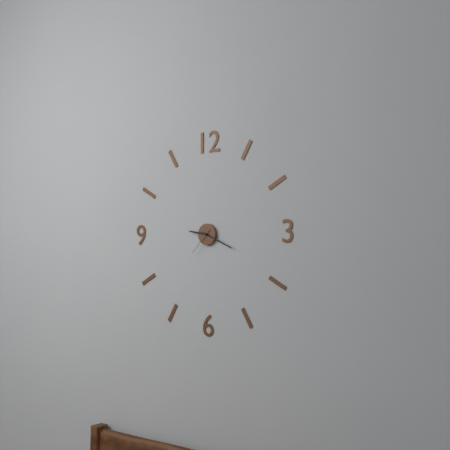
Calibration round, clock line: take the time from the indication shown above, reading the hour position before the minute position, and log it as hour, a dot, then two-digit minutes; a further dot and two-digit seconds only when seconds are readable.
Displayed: 9.19
